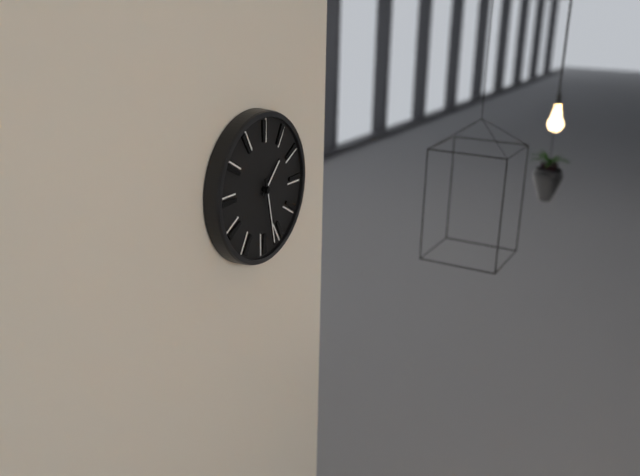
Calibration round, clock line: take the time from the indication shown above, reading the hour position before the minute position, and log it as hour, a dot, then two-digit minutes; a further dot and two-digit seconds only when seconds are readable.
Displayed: 1.28
